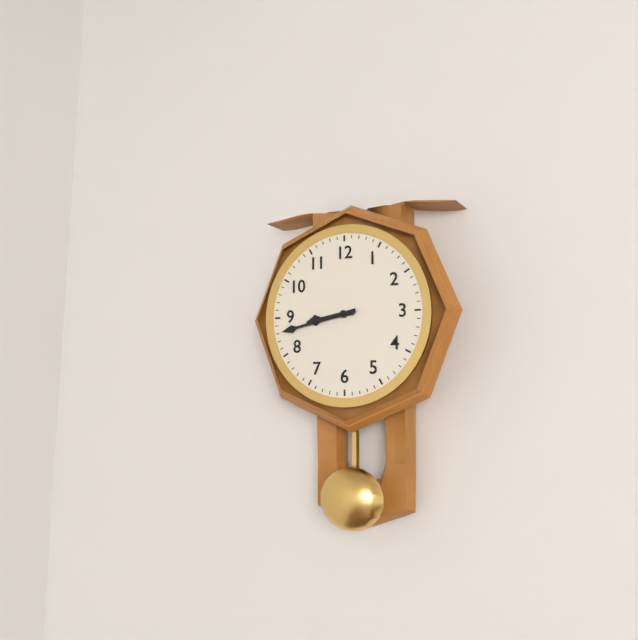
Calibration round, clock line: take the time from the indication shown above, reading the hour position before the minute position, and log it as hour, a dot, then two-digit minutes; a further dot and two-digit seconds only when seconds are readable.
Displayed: 8.43
